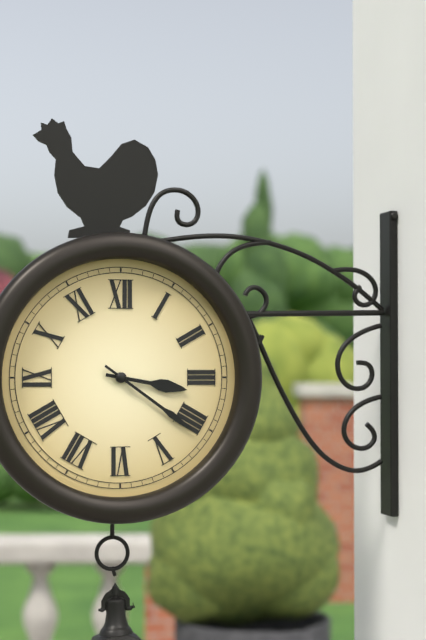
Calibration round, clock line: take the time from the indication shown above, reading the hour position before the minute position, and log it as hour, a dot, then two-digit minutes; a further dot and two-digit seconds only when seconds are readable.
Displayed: 3.21
